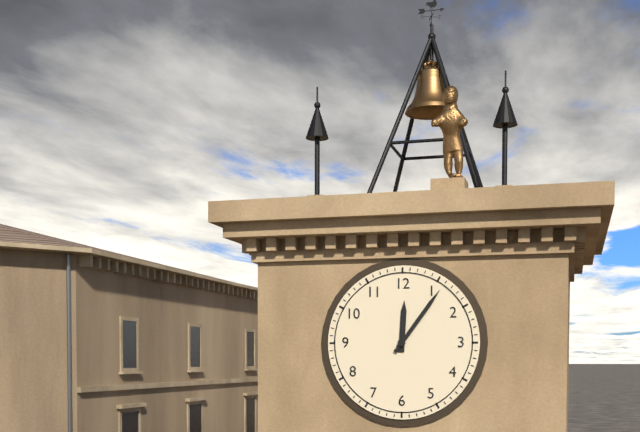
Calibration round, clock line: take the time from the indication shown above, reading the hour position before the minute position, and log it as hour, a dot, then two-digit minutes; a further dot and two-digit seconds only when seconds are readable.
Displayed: 12.06
